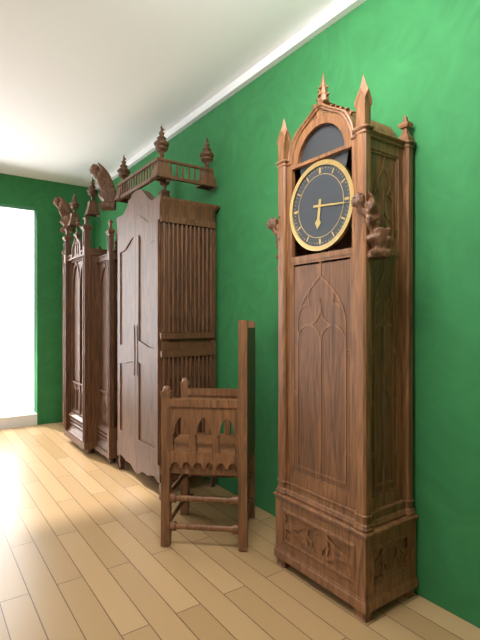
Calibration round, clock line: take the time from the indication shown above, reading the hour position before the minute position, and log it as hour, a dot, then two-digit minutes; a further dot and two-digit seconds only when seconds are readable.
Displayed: 6.16
